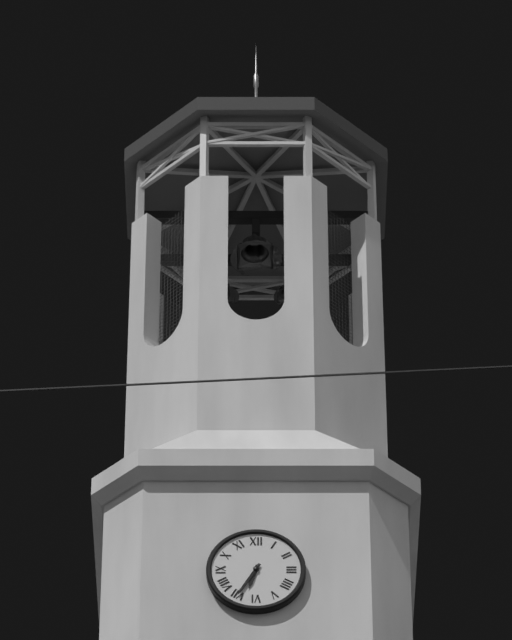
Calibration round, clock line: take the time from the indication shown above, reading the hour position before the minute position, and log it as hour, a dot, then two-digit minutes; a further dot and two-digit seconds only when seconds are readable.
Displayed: 6.35
